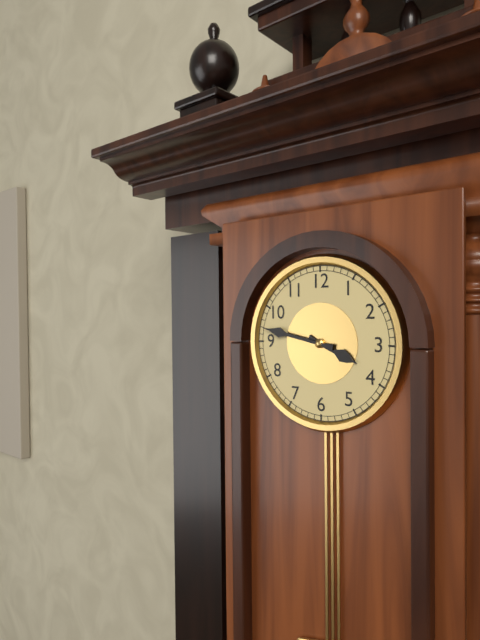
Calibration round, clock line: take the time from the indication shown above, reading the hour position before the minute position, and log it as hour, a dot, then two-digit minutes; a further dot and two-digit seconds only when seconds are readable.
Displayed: 3.47
